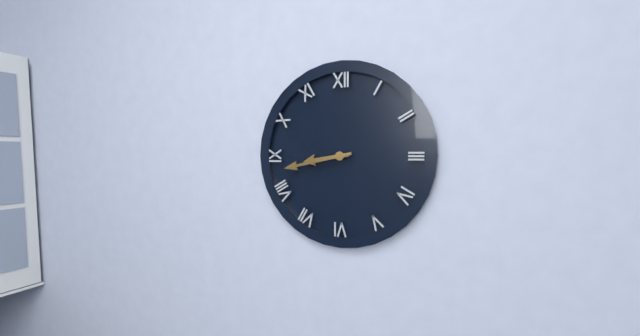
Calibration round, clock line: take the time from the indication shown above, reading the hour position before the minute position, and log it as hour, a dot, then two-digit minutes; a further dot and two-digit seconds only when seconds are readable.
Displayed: 8.43
